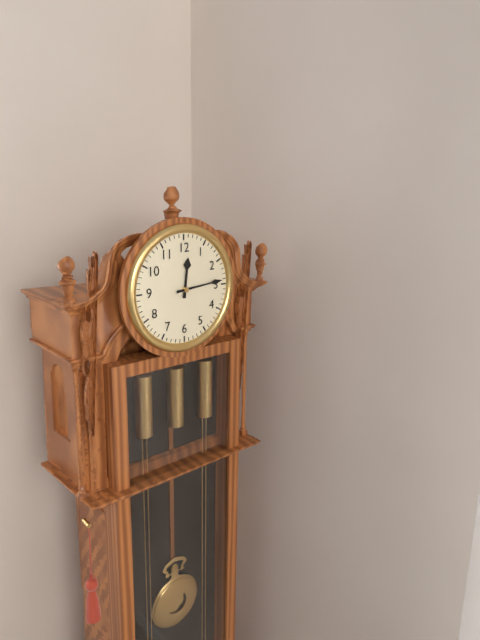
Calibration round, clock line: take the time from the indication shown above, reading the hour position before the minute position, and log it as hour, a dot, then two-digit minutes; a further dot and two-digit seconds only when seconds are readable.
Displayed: 12.14
